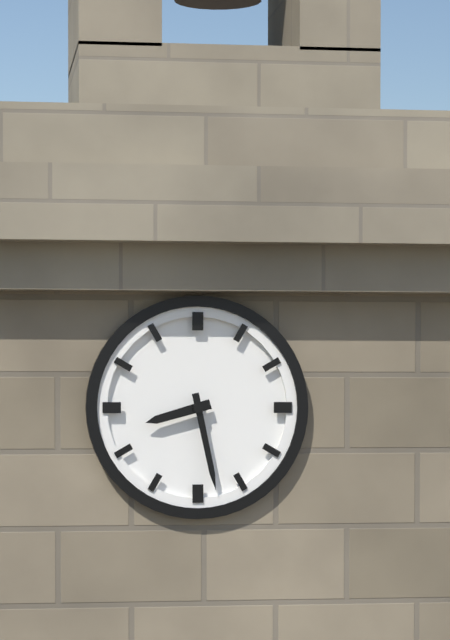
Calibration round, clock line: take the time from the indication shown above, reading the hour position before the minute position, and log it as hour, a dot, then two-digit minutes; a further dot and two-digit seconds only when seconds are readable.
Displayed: 8.28
